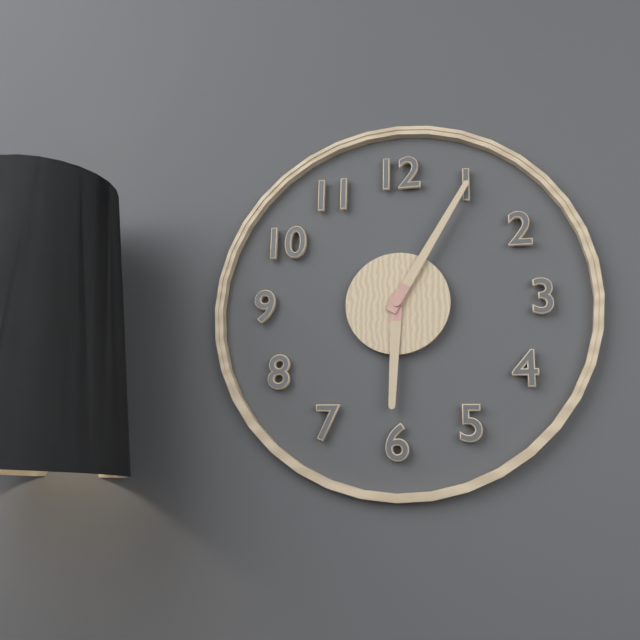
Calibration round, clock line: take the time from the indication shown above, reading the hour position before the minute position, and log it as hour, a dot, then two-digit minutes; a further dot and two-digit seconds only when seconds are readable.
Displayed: 6.05
